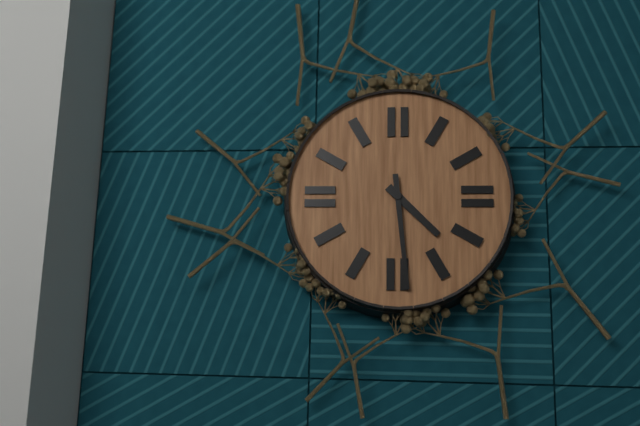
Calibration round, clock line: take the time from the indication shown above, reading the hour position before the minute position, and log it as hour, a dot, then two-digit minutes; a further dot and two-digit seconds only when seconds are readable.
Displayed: 4.29
